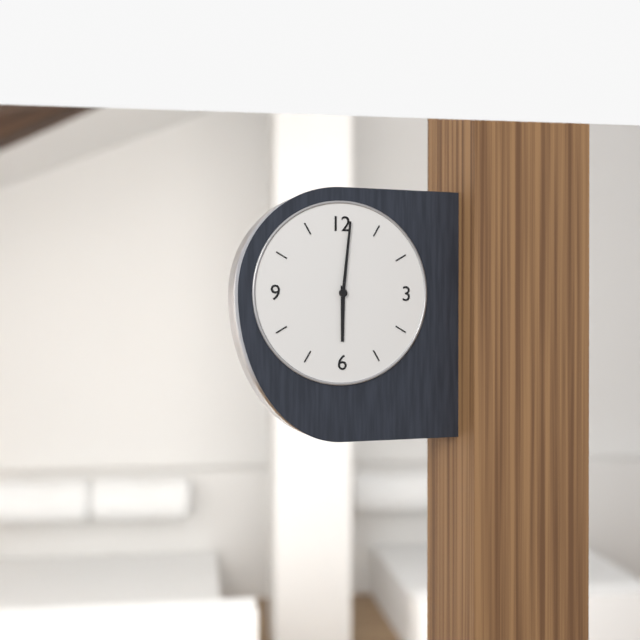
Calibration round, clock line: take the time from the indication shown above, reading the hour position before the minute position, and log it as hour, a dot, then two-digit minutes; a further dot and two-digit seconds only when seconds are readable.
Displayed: 6.01
